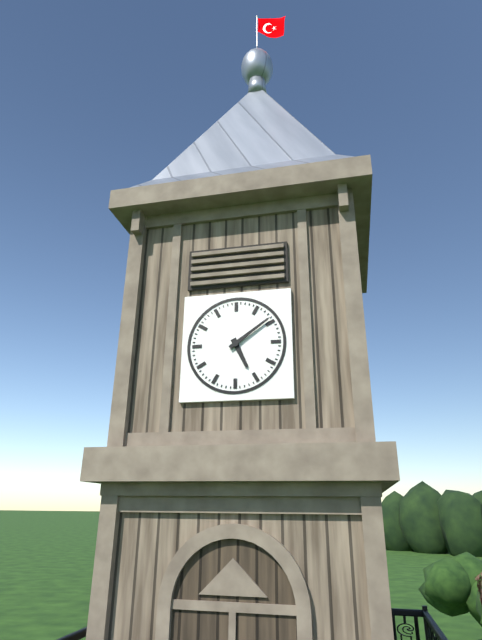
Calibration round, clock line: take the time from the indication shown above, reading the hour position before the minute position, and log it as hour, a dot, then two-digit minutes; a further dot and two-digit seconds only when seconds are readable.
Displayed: 5.09
